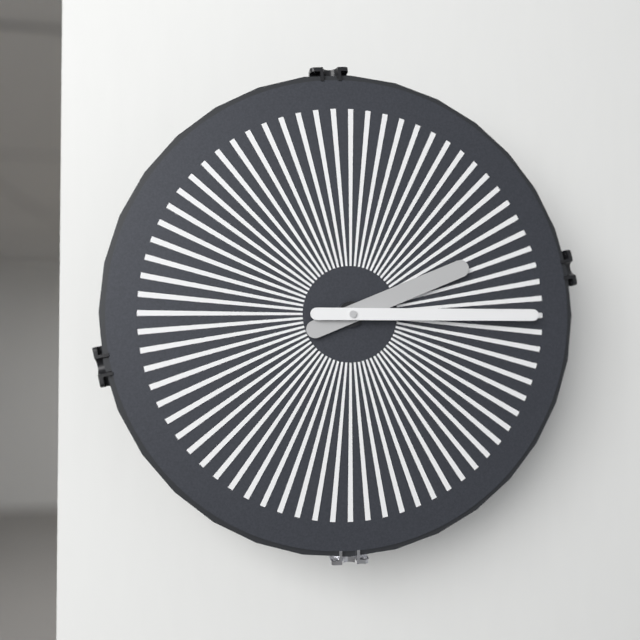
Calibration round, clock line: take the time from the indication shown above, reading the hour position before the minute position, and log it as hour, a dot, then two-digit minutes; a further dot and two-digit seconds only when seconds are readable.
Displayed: 2.15
